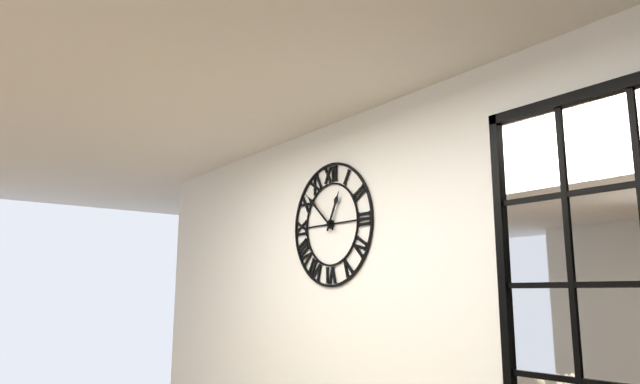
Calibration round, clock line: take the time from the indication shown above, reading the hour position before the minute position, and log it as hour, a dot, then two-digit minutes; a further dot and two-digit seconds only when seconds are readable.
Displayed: 12.52
